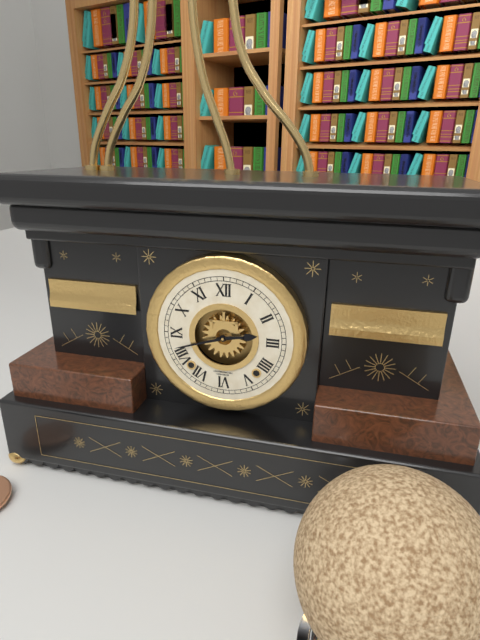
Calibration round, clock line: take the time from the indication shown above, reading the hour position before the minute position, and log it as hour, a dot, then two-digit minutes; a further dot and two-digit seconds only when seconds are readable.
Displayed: 2.42
